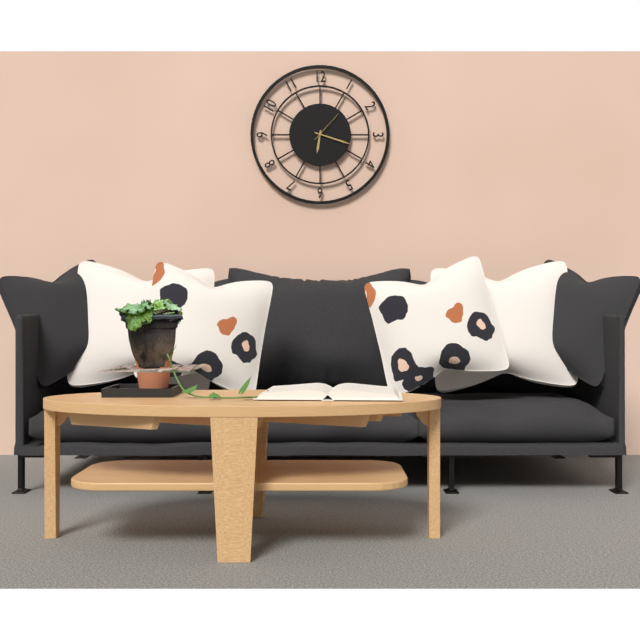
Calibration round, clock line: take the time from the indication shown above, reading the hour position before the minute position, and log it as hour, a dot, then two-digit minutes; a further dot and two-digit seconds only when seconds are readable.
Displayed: 6.18
